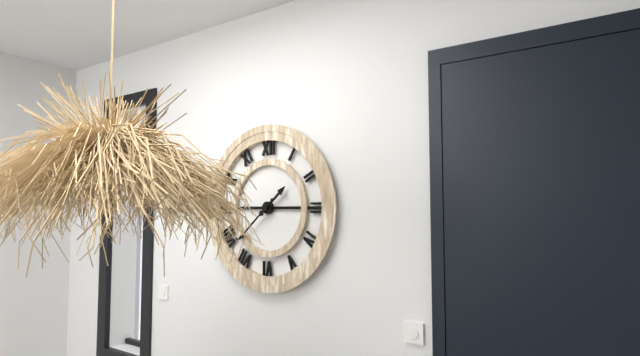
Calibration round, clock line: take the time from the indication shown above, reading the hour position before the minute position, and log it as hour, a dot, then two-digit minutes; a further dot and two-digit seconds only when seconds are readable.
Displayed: 1.38
